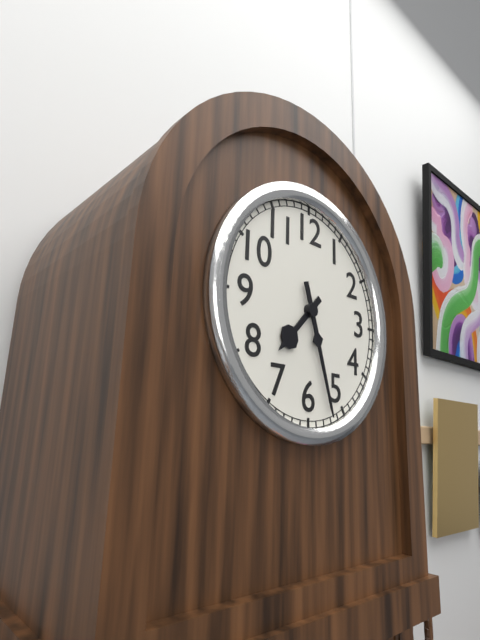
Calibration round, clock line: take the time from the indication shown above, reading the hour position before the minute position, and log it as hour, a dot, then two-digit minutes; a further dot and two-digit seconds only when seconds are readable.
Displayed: 7.27
